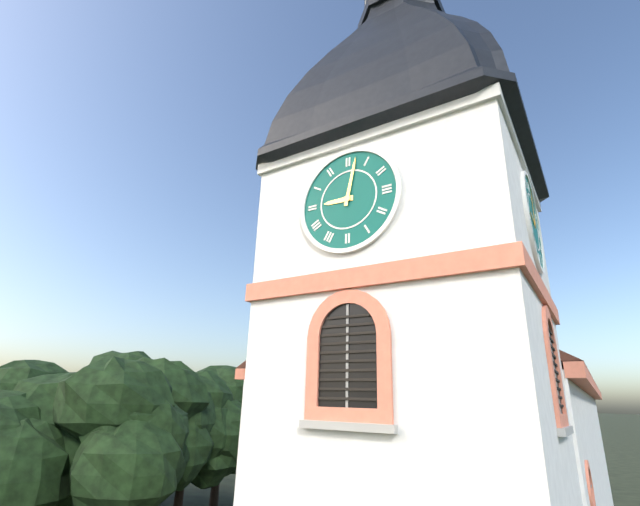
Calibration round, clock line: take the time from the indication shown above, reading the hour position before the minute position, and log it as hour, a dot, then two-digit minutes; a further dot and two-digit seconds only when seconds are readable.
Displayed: 9.02
